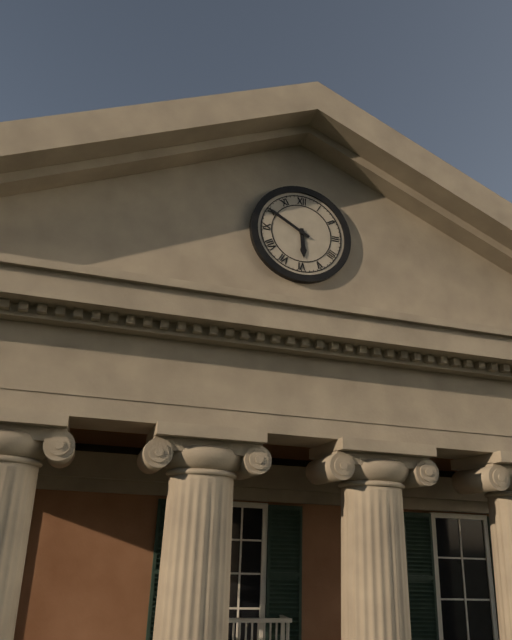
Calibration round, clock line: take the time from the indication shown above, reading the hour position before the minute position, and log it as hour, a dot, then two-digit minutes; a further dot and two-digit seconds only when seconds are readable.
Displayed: 5.50
